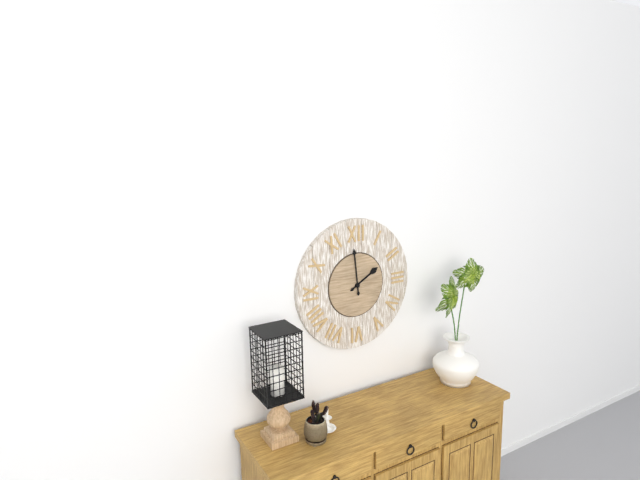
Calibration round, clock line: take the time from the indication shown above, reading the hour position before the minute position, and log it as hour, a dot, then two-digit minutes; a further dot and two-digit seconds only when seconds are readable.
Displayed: 1.59
